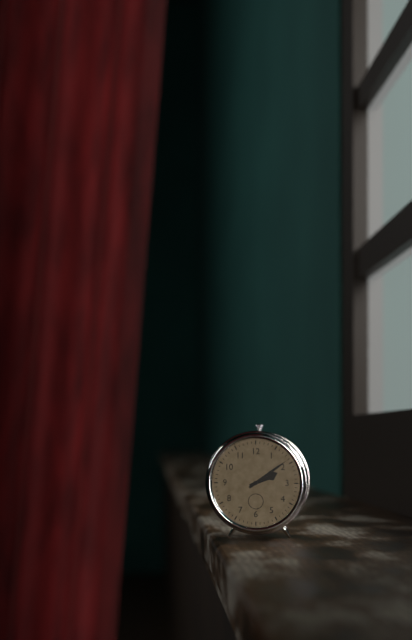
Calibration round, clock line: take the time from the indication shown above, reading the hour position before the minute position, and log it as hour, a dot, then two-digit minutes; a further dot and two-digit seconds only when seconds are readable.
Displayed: 2.09
